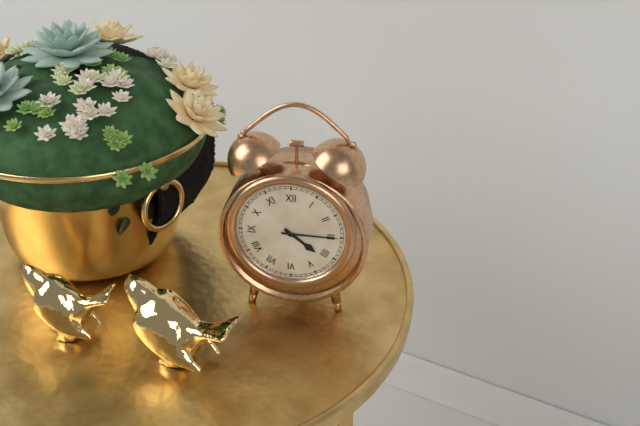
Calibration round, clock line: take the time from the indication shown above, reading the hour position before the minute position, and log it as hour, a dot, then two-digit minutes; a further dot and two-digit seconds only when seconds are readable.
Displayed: 4.15
